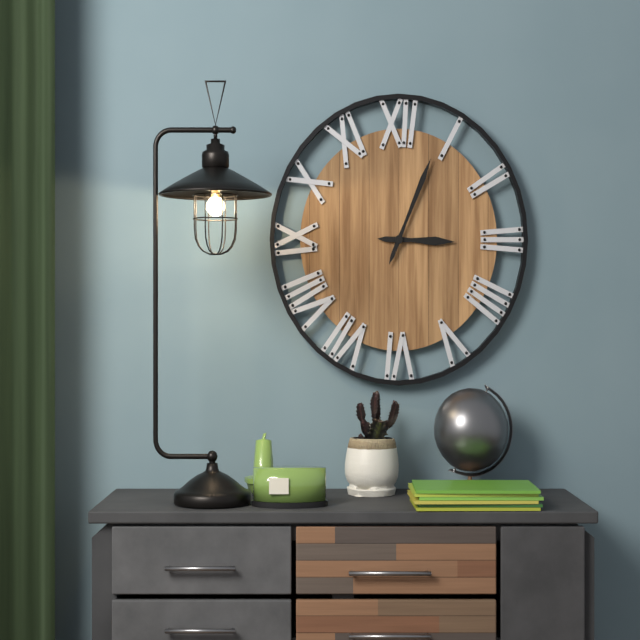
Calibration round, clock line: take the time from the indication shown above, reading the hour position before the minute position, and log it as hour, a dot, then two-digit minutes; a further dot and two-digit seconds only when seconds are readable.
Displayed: 3.04
